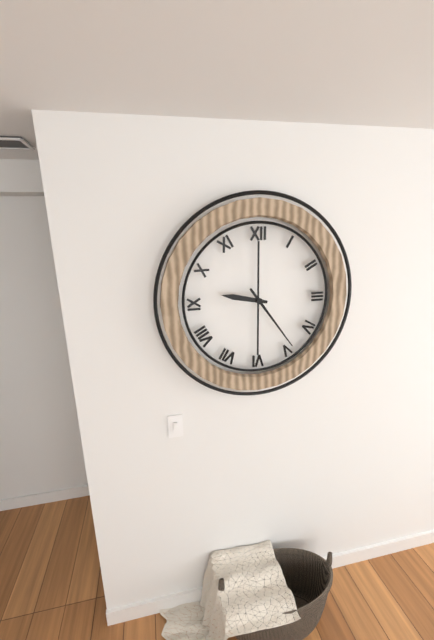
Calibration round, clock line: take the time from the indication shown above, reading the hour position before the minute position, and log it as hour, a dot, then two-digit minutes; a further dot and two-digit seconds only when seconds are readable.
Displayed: 9.24
